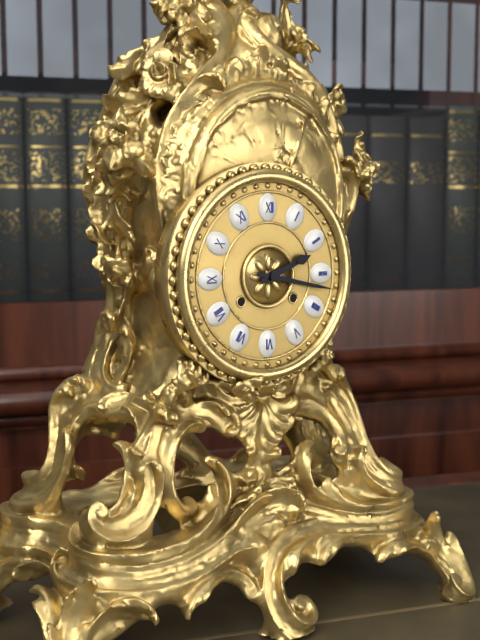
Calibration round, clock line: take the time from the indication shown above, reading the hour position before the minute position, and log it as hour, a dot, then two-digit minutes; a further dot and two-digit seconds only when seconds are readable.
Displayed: 2.17
